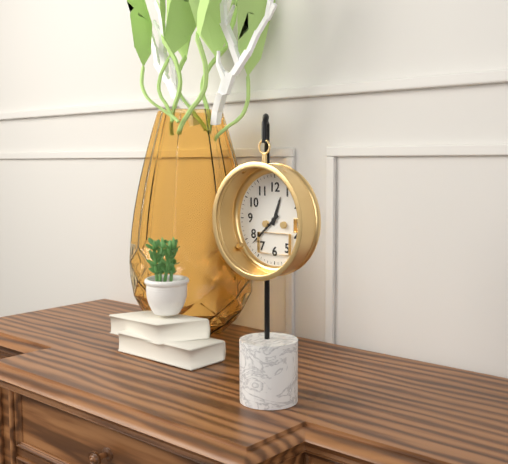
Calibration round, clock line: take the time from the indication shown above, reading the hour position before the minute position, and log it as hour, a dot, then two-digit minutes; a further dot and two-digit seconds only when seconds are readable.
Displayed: 12.38
